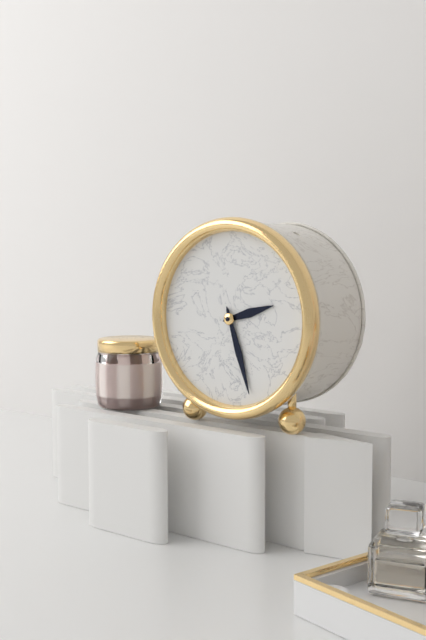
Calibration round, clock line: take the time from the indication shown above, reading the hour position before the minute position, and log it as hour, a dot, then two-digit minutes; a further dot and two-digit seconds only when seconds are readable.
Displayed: 2.27
